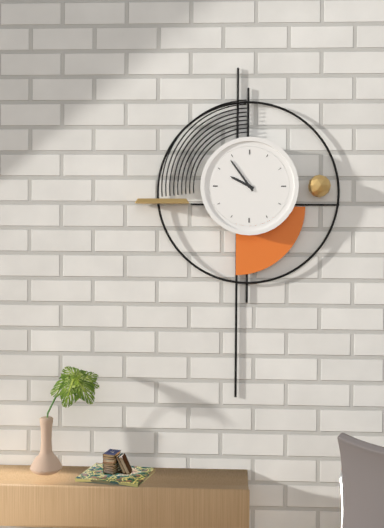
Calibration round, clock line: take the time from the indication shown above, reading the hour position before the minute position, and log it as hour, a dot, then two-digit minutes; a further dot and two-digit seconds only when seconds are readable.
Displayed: 9.54
